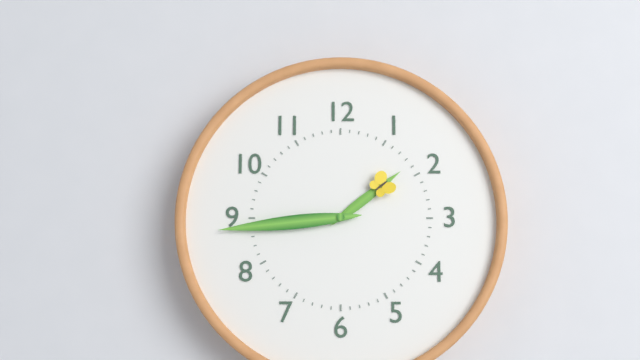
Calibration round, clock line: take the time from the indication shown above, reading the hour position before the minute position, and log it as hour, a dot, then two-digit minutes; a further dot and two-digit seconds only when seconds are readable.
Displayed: 1.44
